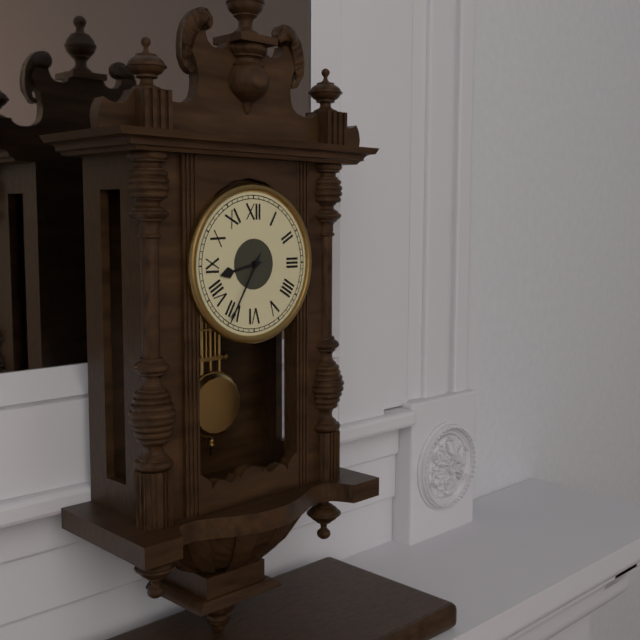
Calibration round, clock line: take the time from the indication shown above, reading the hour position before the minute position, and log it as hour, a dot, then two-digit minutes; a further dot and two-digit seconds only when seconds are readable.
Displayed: 8.35
